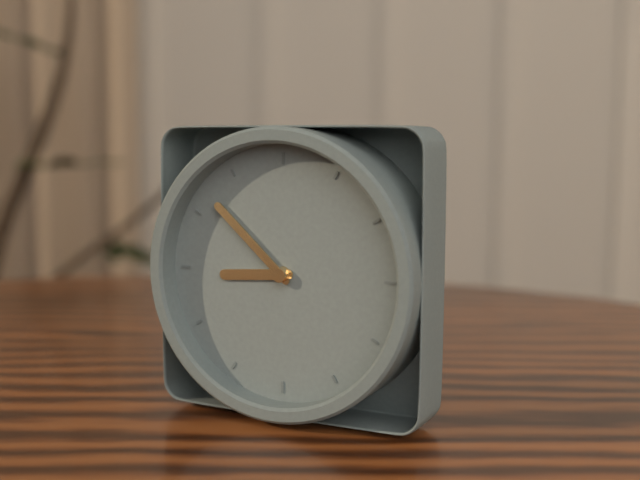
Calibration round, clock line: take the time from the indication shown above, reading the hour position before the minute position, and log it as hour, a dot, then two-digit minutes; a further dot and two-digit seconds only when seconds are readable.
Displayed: 8.52
